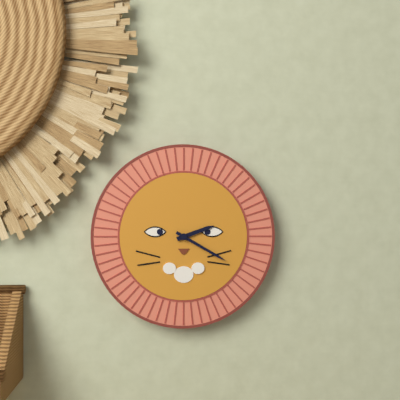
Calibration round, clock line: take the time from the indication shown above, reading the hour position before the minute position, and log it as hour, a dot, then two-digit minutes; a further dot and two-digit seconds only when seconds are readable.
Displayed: 2.20
